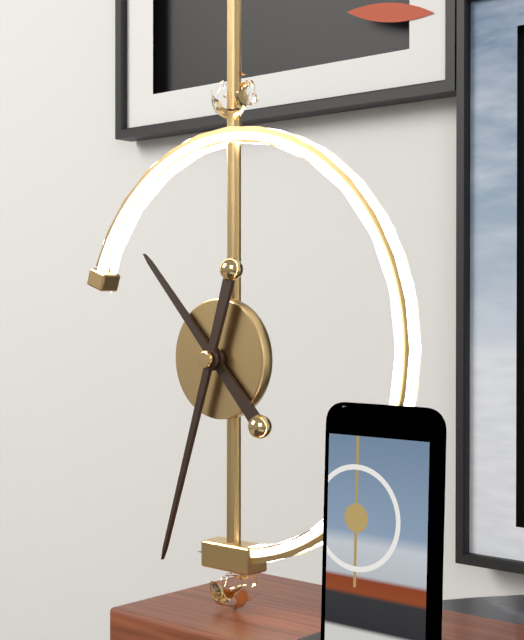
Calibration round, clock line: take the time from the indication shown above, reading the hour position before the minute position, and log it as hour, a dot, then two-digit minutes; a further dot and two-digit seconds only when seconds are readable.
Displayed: 10.33
